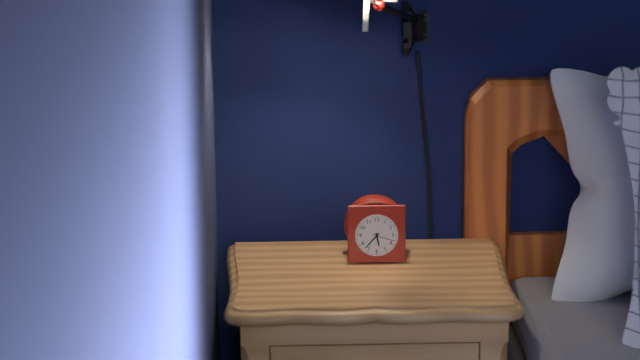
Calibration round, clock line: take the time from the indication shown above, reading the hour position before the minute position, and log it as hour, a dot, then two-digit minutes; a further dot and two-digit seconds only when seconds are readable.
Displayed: 5.37
